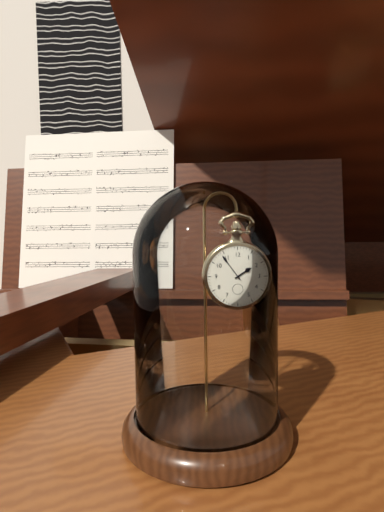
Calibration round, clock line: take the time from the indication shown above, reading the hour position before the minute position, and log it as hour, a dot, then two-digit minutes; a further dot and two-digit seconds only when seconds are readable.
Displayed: 1.54
